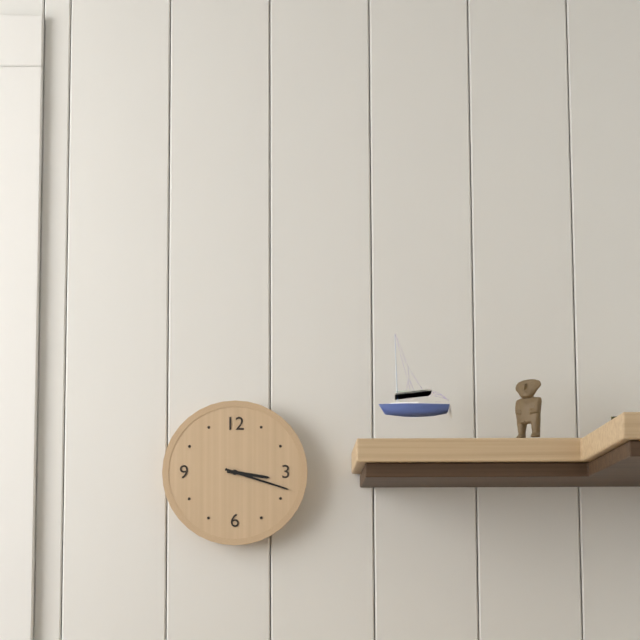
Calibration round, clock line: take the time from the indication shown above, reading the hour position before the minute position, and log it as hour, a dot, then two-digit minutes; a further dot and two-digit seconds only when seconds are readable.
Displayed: 3.18
